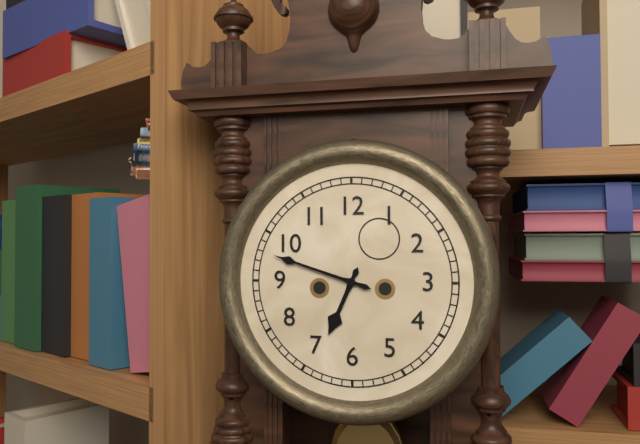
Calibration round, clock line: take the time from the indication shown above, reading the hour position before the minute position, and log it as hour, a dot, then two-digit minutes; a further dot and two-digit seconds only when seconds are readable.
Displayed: 6.48
